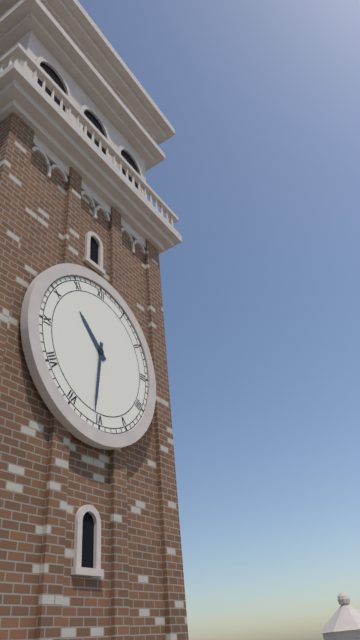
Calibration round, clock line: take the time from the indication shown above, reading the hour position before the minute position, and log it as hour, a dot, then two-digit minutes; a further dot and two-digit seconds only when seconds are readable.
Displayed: 10.31
